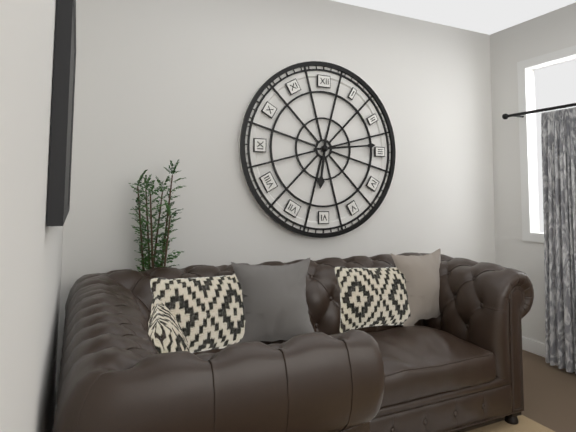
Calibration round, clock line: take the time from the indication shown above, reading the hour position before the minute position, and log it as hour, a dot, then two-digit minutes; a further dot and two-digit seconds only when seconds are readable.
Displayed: 6.14
